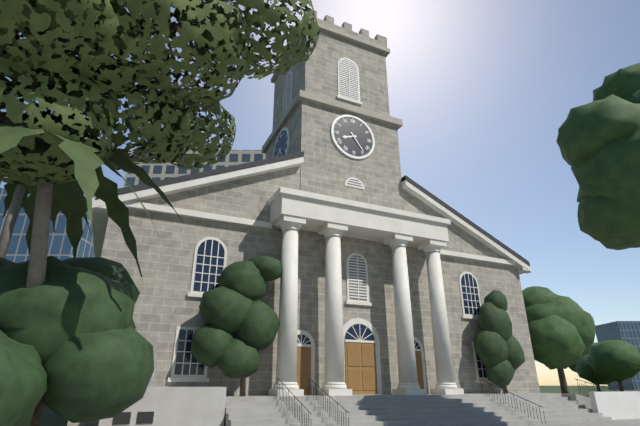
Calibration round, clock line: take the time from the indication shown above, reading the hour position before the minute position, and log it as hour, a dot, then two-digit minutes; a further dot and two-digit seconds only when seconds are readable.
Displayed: 8.24
